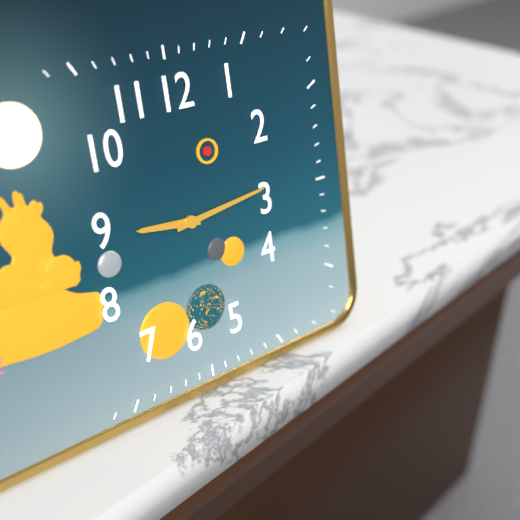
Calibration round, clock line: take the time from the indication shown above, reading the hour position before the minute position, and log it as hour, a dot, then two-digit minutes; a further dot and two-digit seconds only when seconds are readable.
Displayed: 9.14
